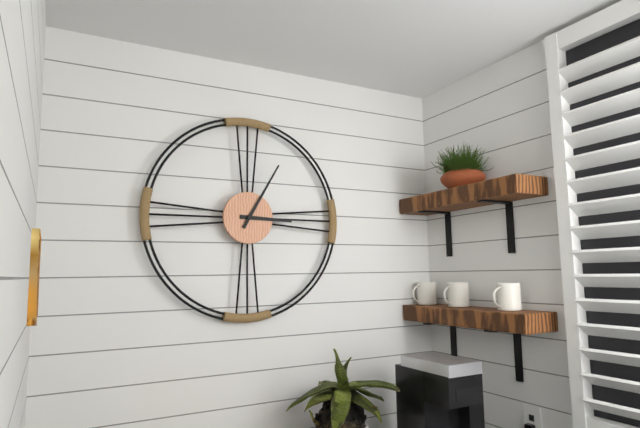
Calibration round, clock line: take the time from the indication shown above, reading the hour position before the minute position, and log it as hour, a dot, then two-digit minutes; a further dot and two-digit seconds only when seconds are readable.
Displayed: 3.05
